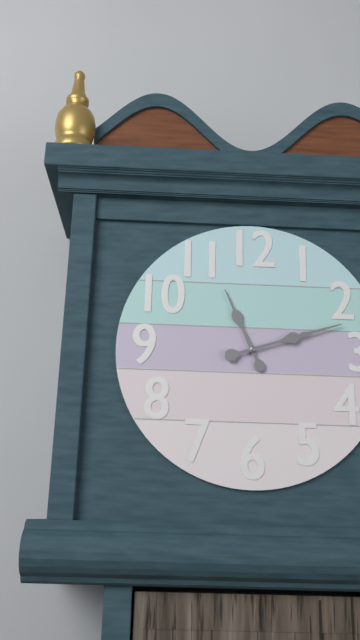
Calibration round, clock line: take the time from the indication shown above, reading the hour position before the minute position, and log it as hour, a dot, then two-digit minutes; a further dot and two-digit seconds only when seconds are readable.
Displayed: 11.12
